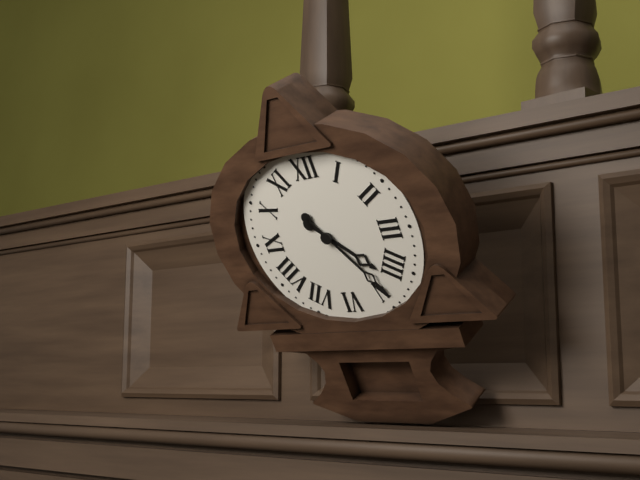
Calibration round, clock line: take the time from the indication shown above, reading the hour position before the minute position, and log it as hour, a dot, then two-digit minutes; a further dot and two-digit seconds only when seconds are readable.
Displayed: 4.24
